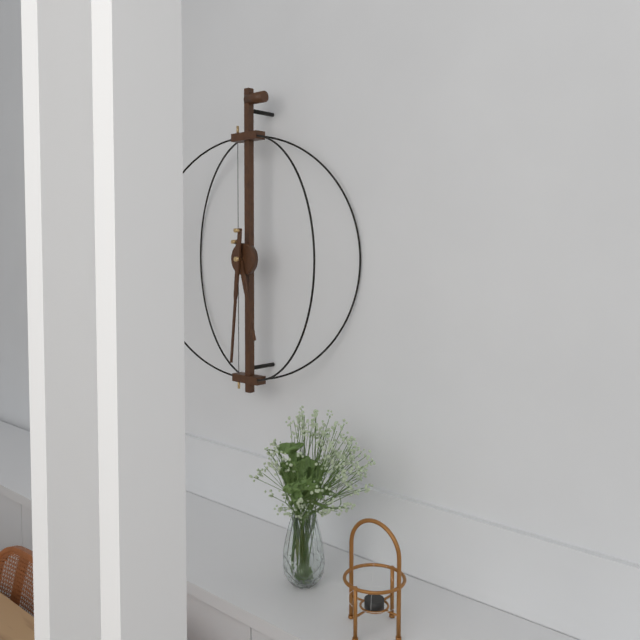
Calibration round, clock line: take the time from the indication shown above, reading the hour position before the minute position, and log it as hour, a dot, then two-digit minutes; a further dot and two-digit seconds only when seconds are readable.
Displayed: 5.31
